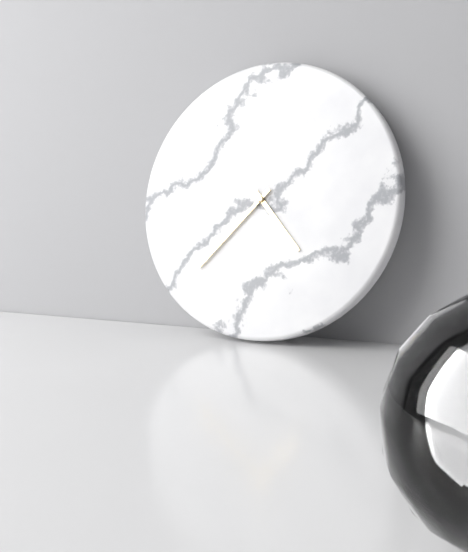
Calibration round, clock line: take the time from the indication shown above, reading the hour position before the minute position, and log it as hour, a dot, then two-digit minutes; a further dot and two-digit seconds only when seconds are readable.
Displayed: 4.37
